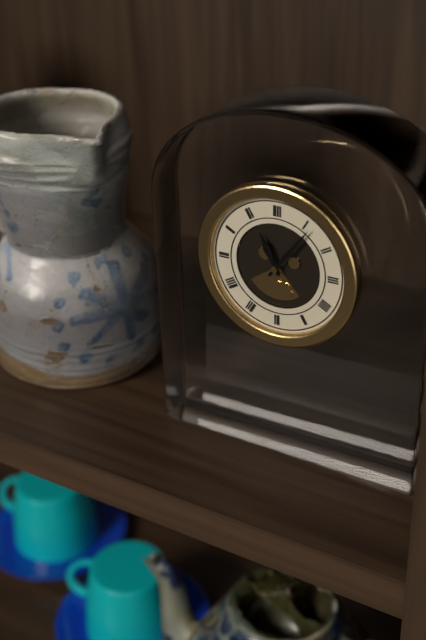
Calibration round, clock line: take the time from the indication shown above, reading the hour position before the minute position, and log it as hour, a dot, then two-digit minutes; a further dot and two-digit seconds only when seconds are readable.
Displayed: 11.06
